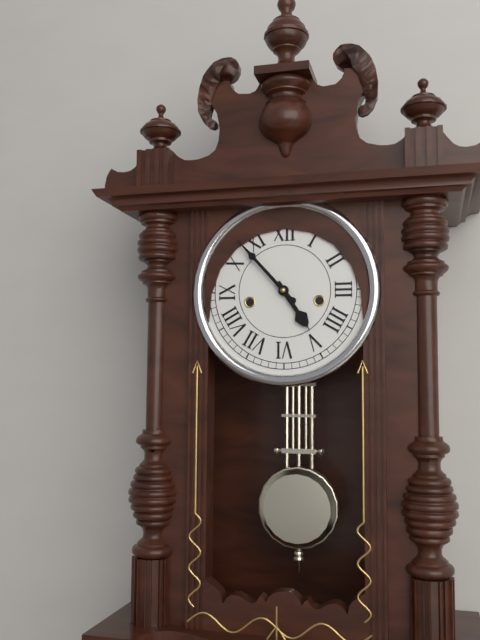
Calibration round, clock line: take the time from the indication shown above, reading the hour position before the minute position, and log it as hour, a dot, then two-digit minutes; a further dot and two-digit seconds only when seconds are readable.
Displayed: 4.53
